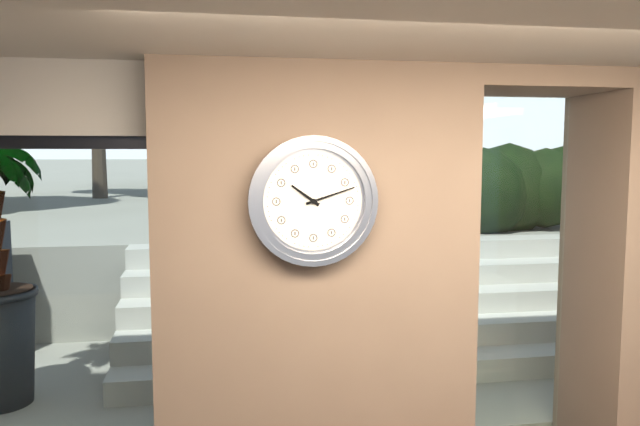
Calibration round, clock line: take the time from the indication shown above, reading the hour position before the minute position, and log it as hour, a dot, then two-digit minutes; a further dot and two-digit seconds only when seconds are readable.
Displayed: 10.12
